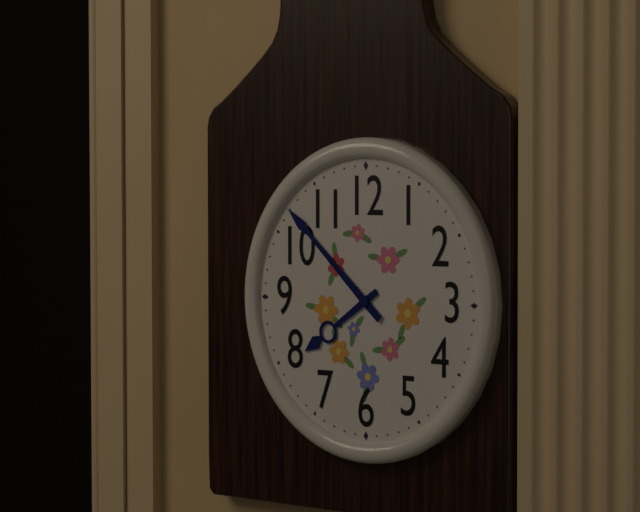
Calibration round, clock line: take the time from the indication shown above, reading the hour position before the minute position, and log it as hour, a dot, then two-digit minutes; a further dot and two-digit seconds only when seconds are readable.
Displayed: 7.52
